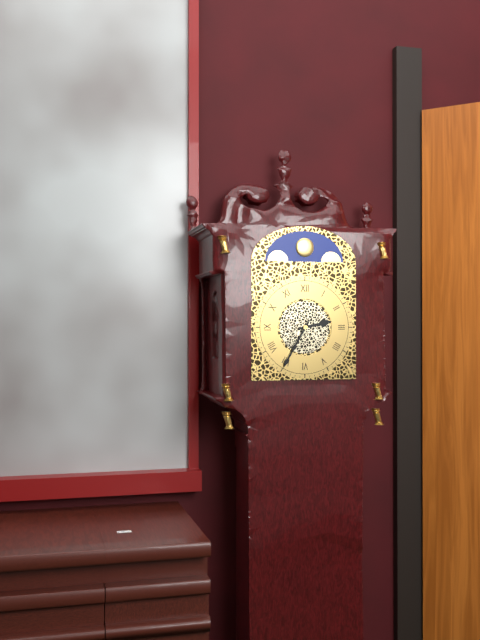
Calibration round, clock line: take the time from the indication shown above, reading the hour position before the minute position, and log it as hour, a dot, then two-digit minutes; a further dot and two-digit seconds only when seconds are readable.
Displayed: 2.35
